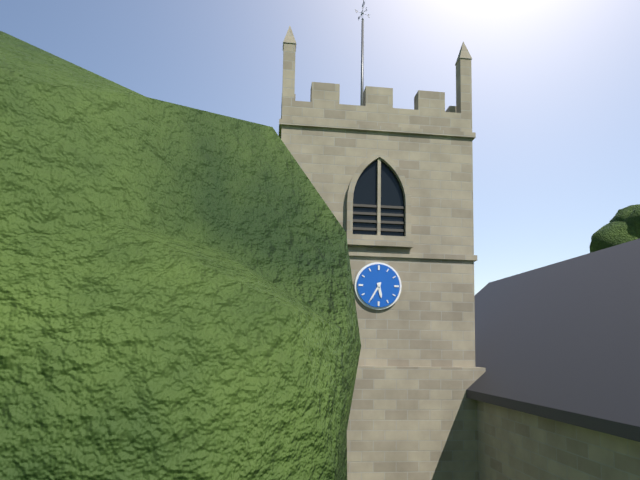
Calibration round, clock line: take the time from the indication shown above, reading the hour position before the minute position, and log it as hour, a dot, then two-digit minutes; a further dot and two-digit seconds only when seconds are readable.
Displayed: 5.35
